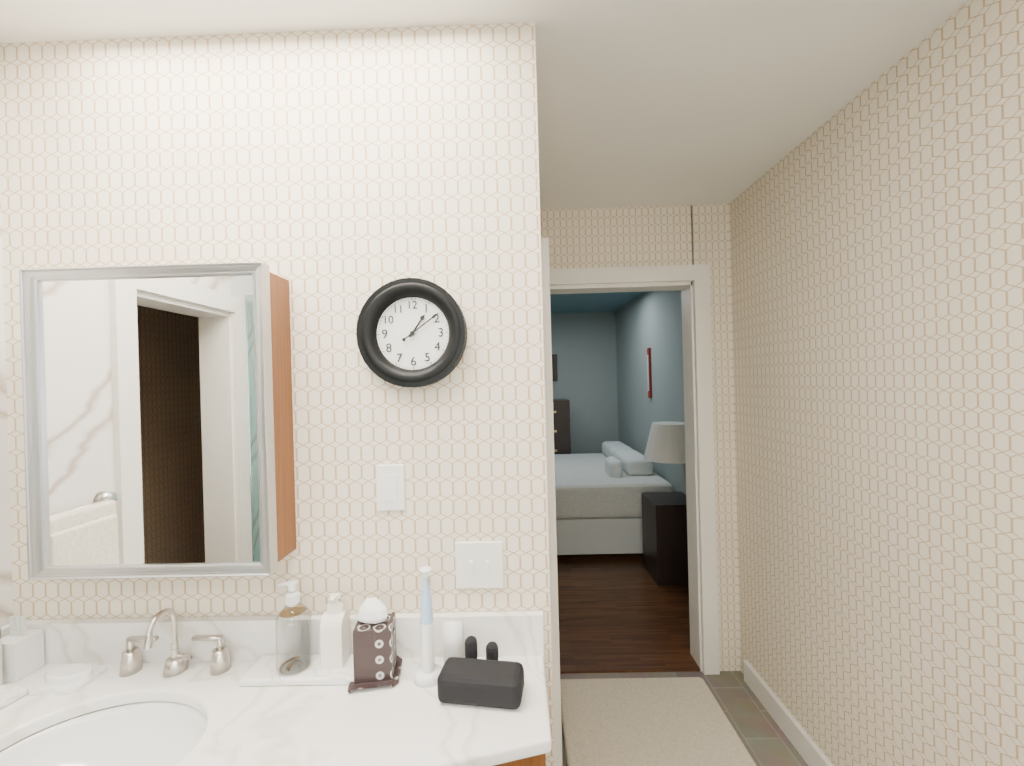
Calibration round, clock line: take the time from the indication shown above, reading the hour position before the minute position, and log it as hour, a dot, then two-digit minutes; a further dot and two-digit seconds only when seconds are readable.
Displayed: 1.09
